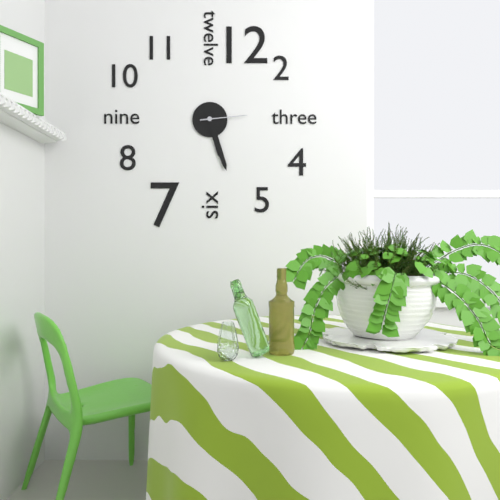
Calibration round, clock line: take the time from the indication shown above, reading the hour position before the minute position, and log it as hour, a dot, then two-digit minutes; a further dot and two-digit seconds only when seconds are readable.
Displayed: 5.27
